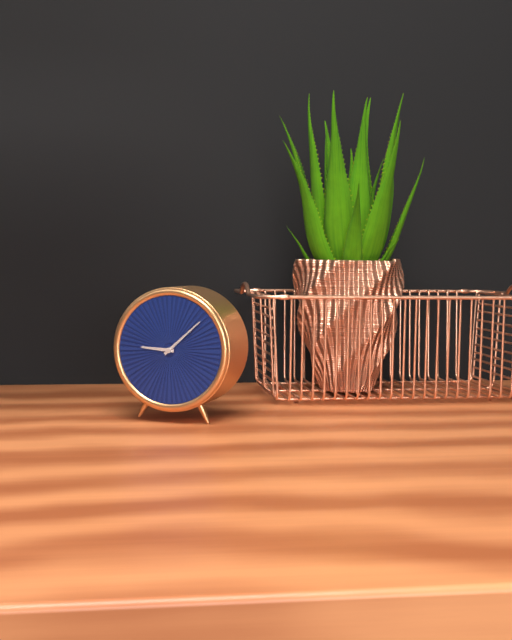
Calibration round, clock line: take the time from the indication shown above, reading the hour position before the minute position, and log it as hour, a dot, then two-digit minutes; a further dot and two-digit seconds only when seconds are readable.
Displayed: 9.08
